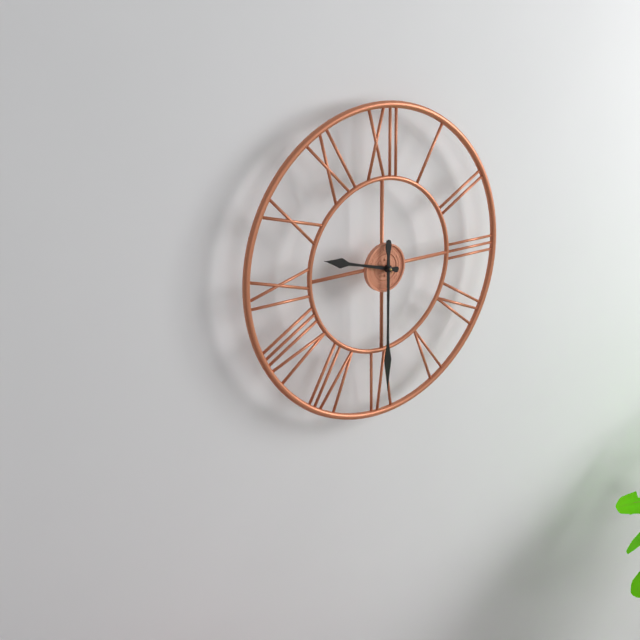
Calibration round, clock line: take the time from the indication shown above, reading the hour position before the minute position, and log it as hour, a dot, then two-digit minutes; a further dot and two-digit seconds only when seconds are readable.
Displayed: 9.30
